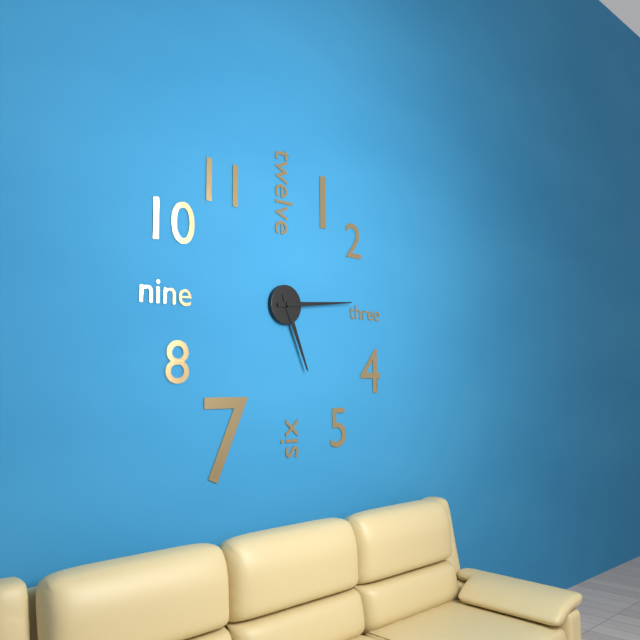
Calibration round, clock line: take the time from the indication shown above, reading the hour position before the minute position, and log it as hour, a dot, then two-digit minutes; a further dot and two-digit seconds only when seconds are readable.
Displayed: 5.14
